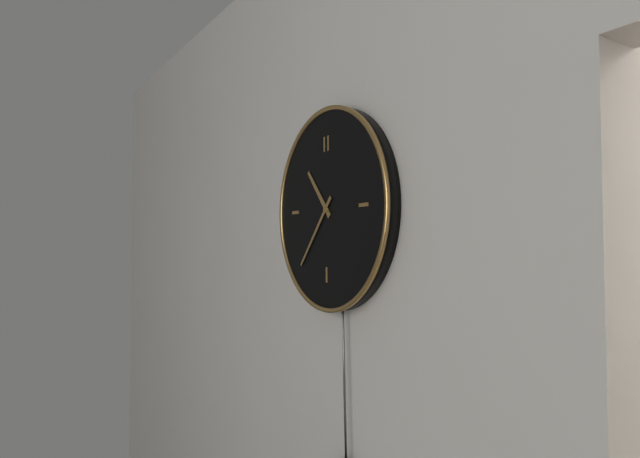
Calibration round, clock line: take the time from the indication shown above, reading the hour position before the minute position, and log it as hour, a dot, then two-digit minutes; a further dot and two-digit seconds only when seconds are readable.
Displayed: 10.37
